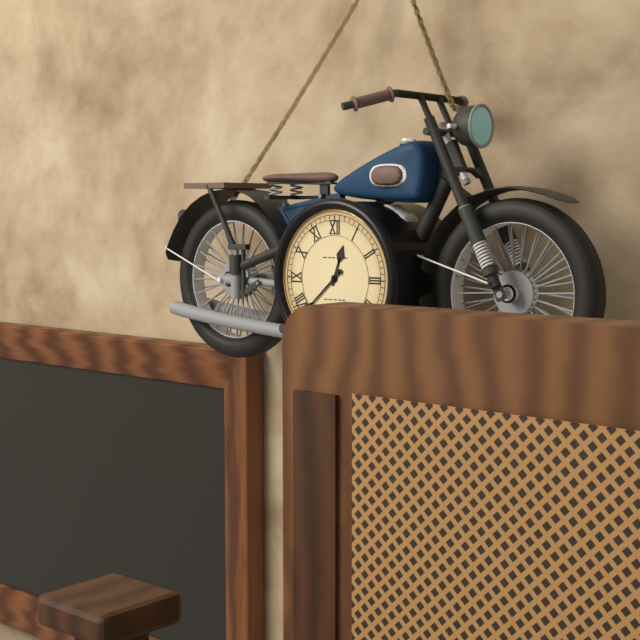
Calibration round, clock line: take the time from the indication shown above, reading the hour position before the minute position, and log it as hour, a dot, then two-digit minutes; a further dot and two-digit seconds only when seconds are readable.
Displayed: 12.38
